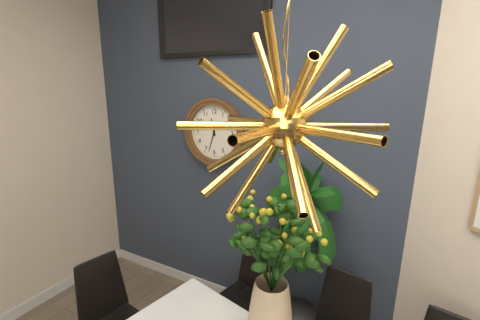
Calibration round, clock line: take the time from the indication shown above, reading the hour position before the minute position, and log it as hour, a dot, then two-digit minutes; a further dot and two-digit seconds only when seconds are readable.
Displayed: 11.33
